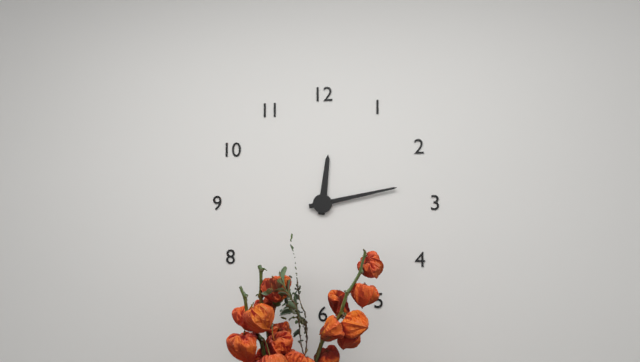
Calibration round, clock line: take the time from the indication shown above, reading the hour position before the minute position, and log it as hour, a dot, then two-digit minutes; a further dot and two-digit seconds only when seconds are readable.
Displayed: 12.13
